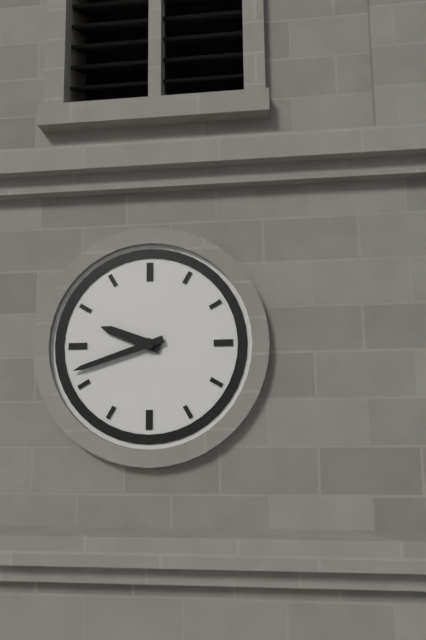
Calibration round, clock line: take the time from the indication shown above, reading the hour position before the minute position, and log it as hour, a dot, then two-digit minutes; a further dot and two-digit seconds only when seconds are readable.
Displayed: 9.42
